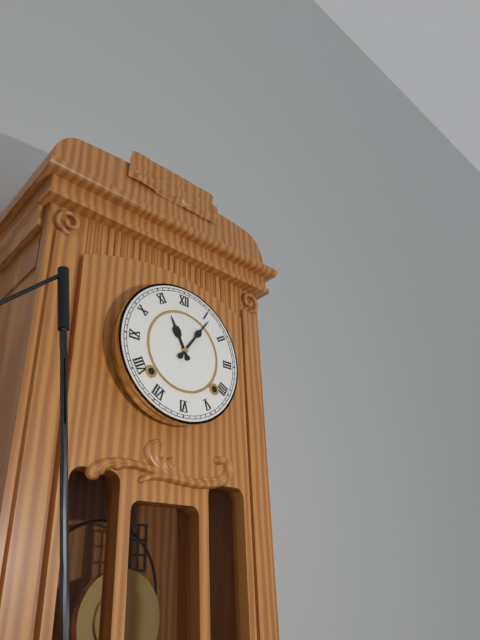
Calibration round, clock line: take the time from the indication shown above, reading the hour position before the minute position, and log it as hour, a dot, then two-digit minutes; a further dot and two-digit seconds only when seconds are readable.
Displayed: 11.06
